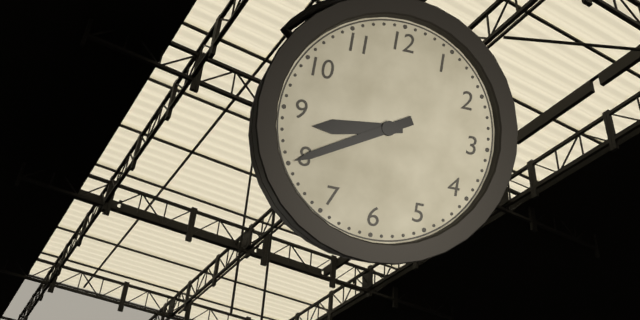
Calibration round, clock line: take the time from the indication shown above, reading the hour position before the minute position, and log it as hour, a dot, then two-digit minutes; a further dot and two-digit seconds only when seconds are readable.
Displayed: 8.40
